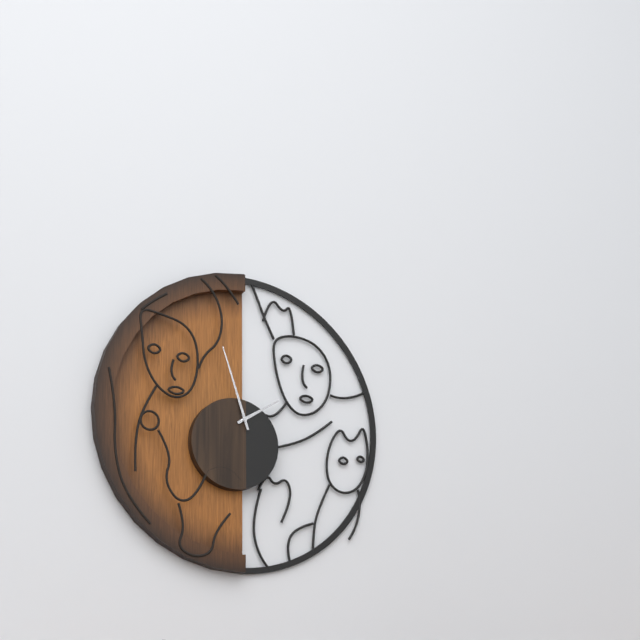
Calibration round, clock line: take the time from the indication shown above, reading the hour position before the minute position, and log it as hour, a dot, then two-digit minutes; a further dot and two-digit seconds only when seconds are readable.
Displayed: 1.57
